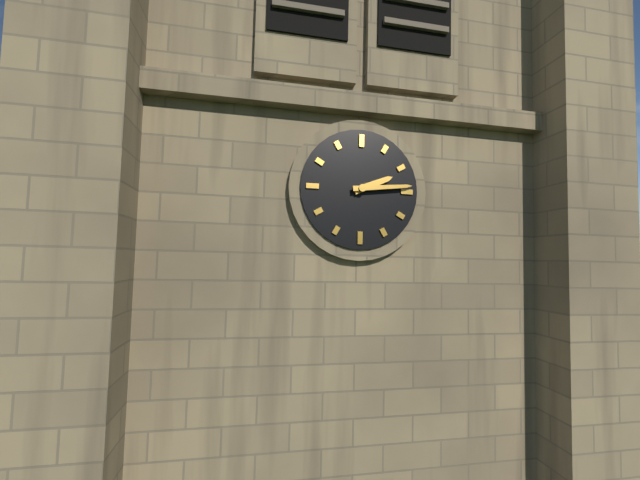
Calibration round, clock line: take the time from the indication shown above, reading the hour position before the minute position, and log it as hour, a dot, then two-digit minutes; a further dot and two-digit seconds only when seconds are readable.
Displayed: 2.14
